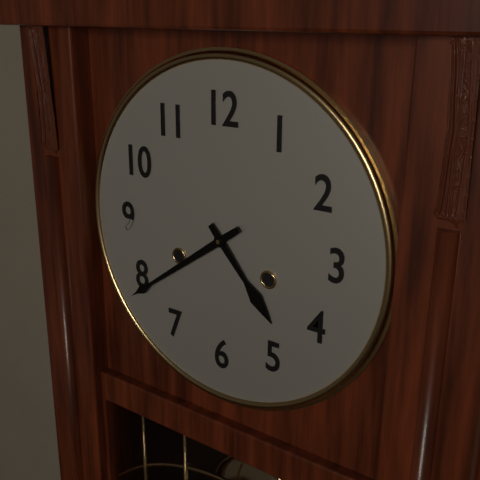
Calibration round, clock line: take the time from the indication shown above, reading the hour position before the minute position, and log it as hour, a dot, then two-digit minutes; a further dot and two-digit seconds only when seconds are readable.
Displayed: 4.39
